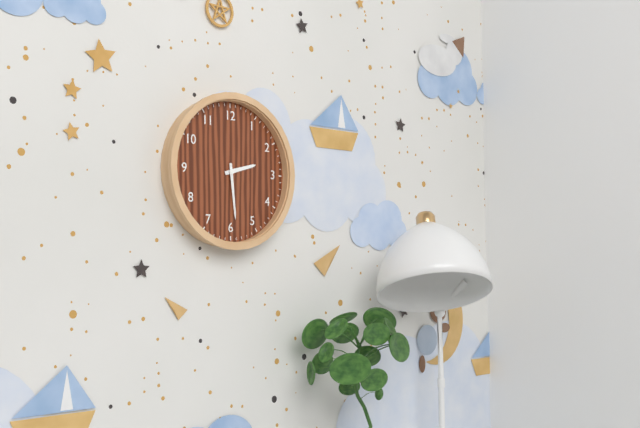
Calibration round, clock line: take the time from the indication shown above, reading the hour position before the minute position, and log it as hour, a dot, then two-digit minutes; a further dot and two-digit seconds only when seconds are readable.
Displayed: 2.29
